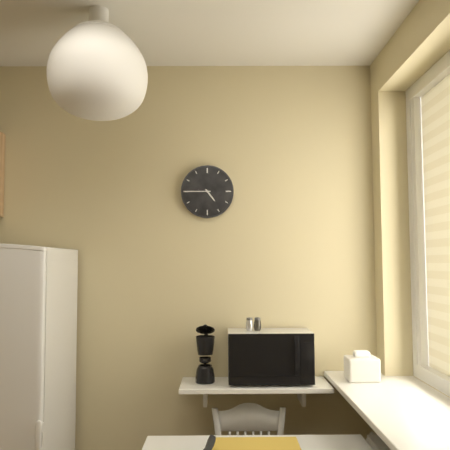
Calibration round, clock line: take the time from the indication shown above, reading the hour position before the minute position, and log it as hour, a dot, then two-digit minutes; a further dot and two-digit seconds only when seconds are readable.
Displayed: 4.45
